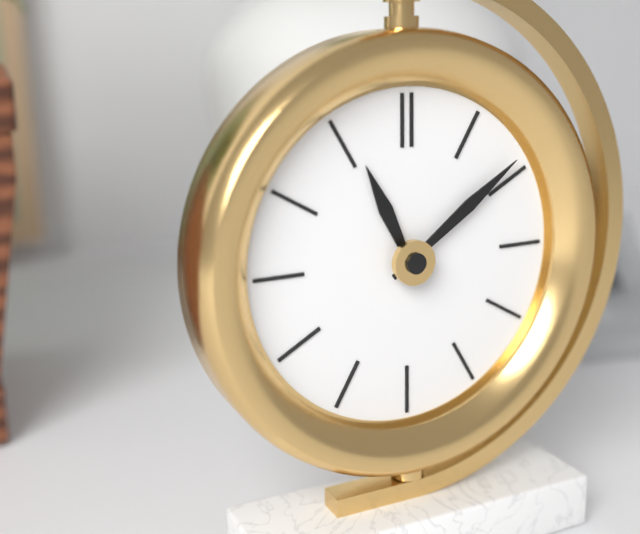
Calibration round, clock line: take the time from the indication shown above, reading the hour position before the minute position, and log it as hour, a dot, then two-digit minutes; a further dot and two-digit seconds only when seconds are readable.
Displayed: 11.09
